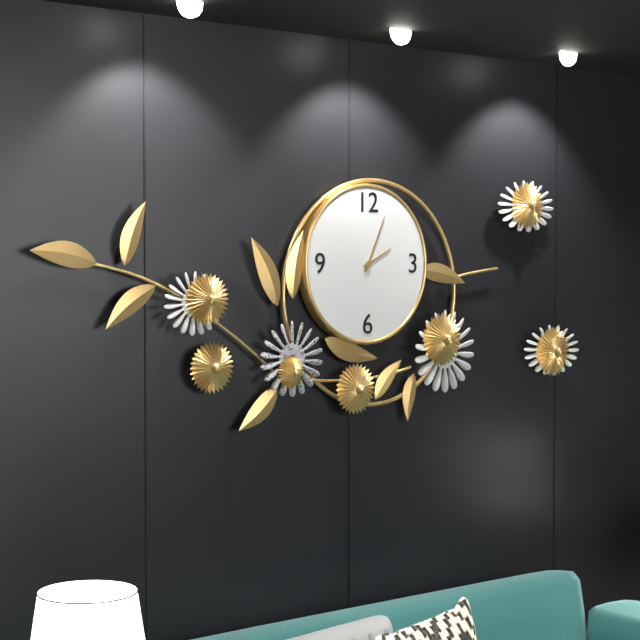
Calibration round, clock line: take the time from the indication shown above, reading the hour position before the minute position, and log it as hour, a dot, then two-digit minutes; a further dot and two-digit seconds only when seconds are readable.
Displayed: 2.04
